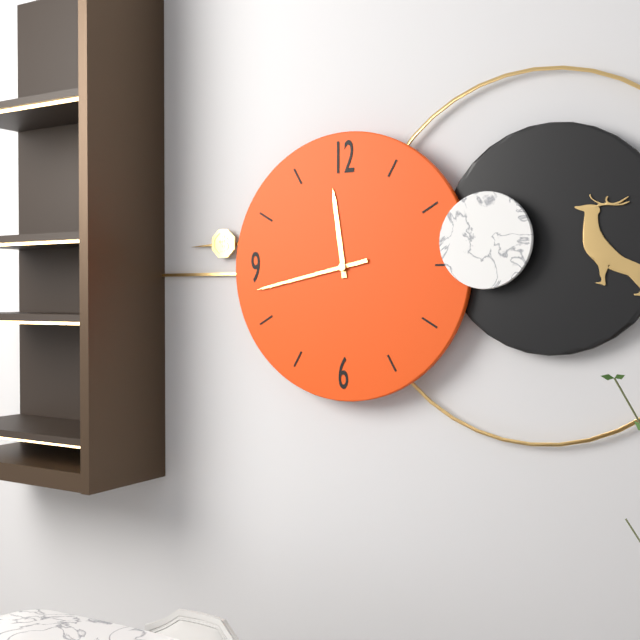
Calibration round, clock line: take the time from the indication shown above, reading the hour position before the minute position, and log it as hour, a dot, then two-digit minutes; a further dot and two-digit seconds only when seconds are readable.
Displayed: 11.43
